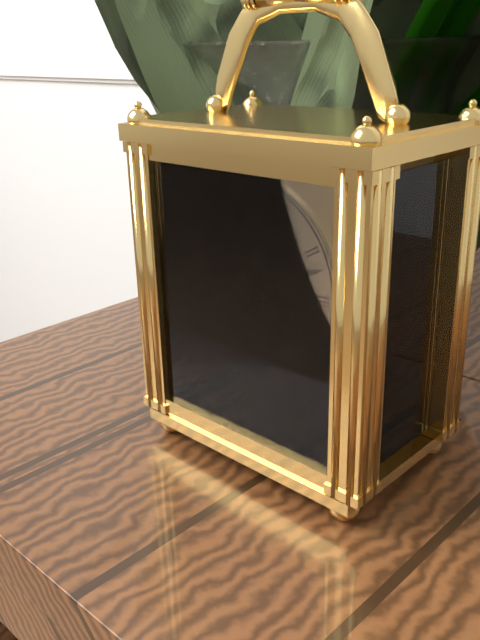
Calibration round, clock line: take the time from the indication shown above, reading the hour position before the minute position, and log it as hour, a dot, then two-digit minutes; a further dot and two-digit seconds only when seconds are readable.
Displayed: 6.12
